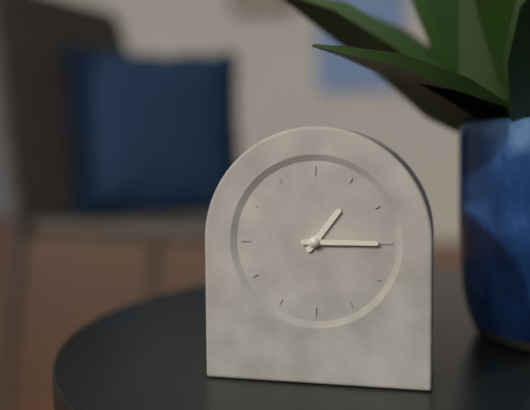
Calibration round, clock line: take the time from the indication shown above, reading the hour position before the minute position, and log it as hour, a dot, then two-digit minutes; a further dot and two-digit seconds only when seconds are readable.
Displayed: 1.15
